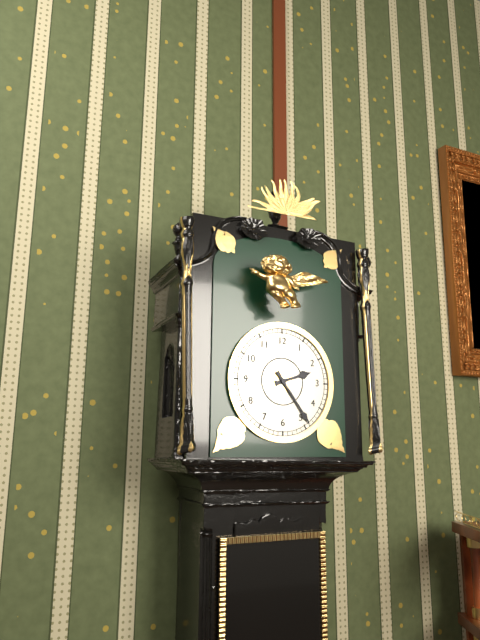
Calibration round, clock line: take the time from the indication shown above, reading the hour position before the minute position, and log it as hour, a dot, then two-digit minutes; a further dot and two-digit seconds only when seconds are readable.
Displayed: 2.24
